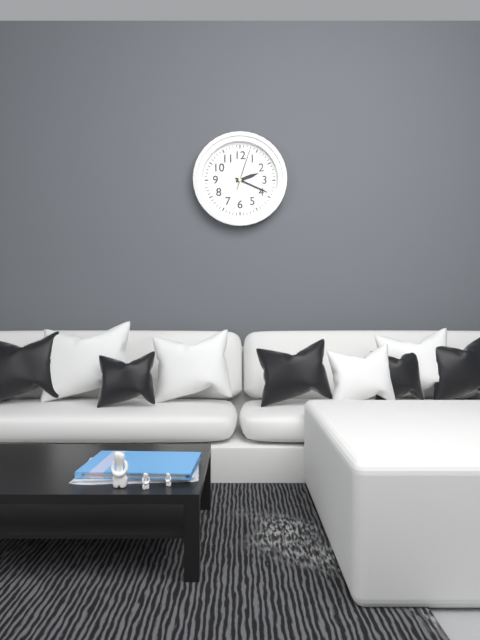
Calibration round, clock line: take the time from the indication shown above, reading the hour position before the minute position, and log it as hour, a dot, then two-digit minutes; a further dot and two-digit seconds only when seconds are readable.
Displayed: 2.19
